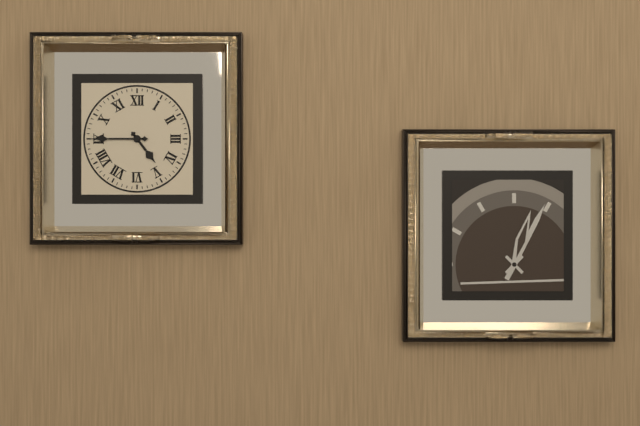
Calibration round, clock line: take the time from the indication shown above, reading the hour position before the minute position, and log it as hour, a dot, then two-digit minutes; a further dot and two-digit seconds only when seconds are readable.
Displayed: 4.45
